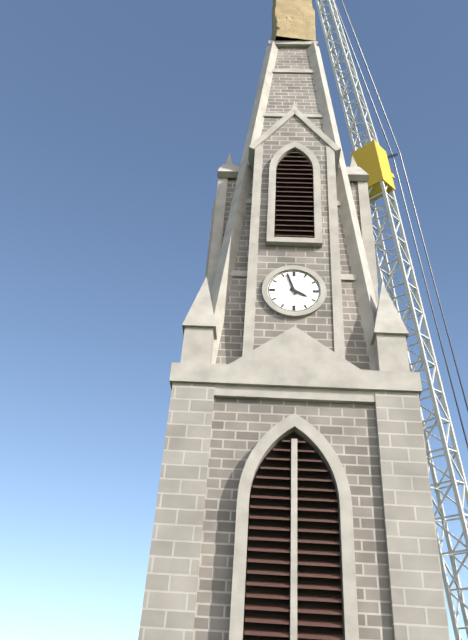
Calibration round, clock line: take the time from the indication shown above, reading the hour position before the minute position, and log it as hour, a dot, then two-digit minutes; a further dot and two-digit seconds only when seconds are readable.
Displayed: 3.57
